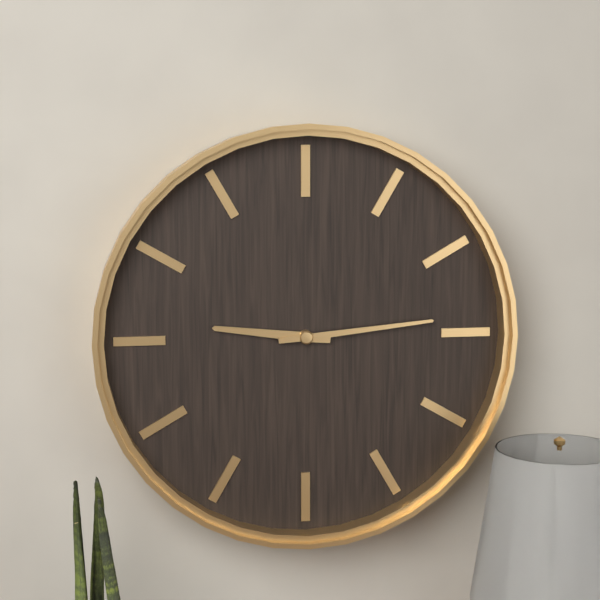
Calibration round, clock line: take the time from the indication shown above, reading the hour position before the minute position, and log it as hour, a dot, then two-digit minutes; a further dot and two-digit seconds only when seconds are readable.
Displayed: 9.14
